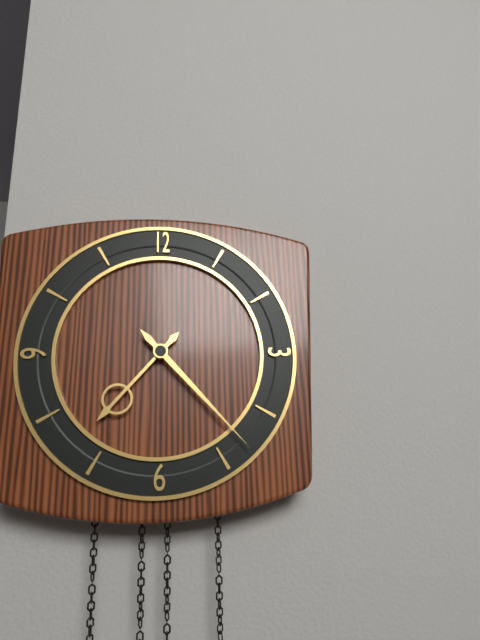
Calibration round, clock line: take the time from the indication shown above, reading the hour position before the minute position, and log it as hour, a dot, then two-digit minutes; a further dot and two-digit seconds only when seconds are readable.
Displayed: 7.23
